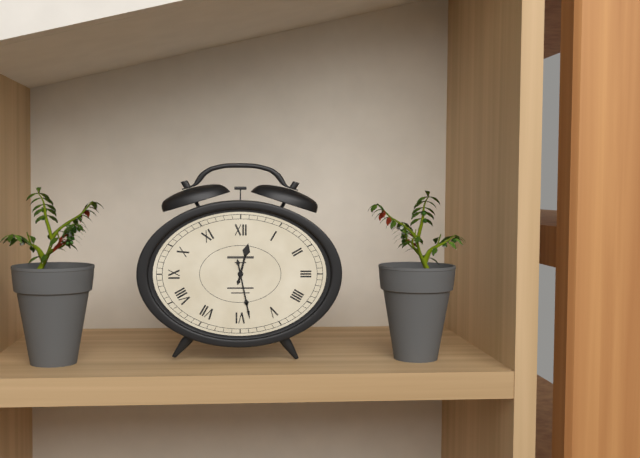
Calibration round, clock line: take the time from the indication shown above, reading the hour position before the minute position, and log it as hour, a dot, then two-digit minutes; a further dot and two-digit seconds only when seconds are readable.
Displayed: 12.28
